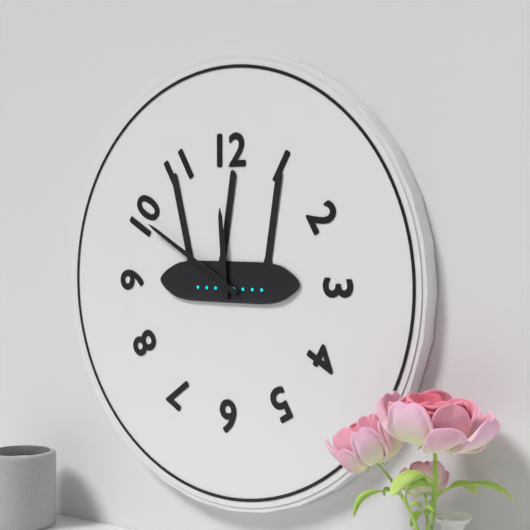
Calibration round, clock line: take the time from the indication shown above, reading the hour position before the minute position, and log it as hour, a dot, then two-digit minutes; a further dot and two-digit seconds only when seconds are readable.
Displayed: 11.50
